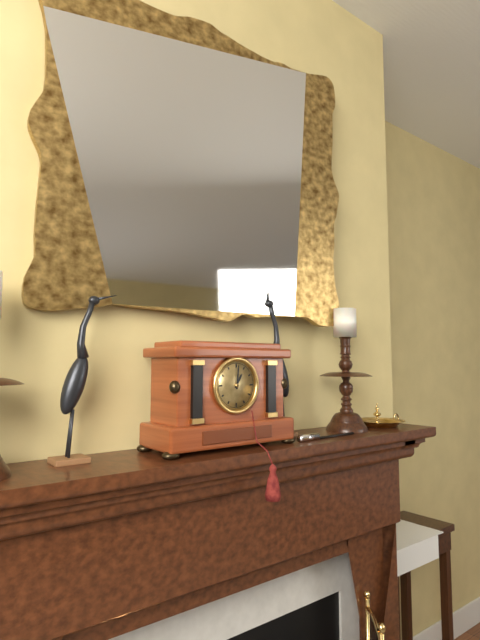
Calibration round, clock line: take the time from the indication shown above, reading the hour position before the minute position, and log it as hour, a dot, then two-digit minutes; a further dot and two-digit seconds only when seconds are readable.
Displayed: 1.01
